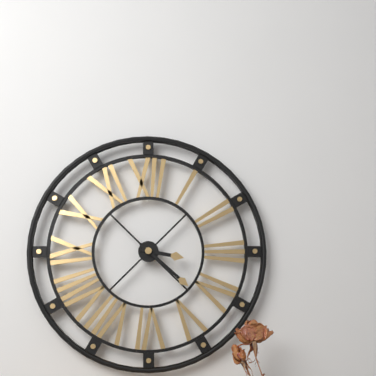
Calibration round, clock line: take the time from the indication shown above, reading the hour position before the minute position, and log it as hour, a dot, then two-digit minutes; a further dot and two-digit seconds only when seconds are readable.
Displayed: 3.22
